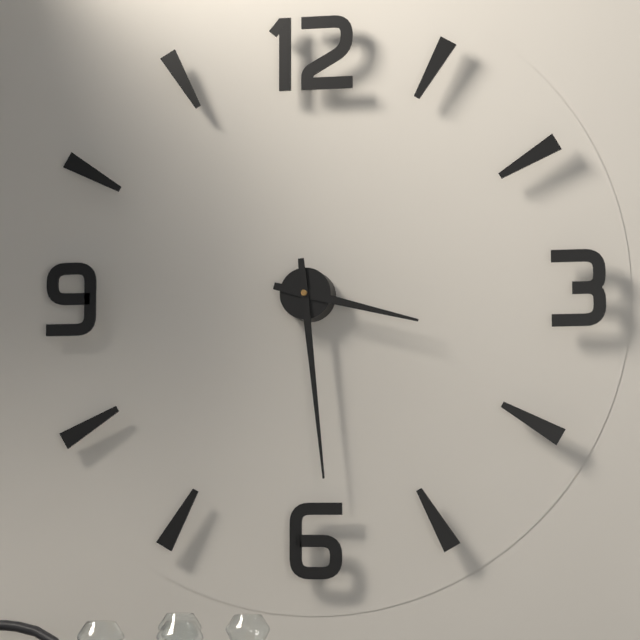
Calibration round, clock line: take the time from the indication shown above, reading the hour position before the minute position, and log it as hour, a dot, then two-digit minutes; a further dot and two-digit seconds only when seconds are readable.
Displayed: 3.29
